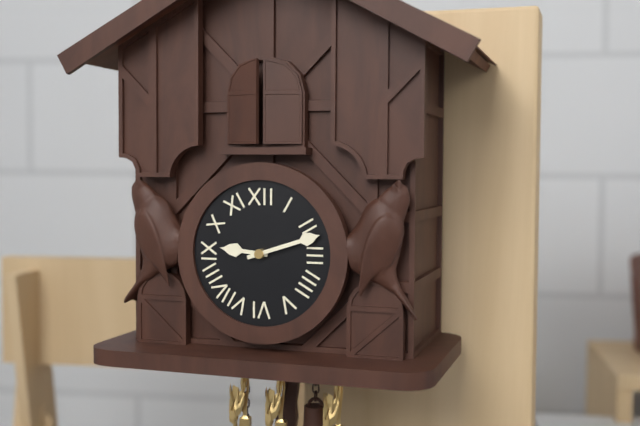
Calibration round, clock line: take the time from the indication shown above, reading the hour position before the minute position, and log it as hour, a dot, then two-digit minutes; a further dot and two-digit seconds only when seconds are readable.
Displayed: 9.12
